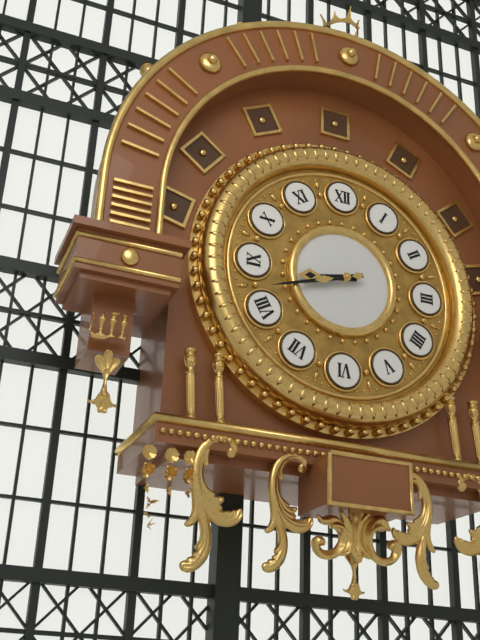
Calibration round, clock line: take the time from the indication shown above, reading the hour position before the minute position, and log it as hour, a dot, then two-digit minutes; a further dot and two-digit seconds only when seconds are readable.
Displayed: 8.42
